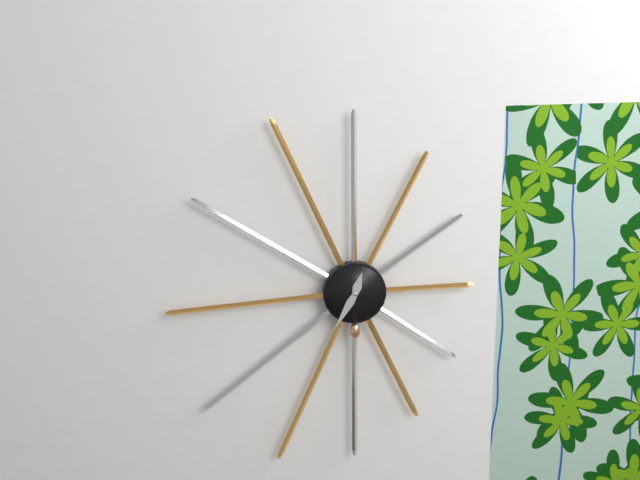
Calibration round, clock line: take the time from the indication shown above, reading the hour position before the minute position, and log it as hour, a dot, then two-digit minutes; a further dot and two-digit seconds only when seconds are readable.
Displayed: 12.35
